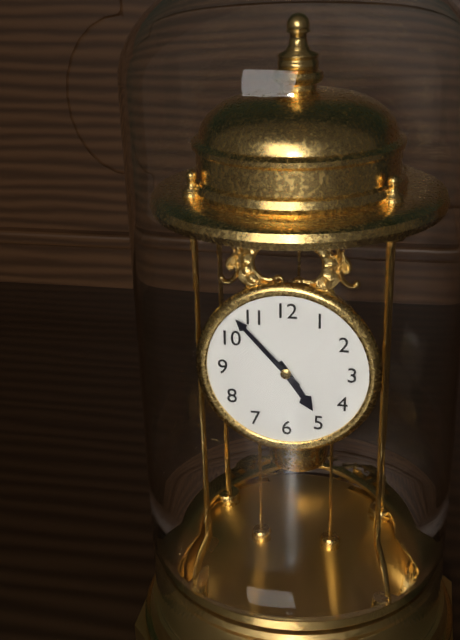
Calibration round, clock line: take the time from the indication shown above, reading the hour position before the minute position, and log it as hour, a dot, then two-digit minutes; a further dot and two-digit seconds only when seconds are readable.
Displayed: 4.53
